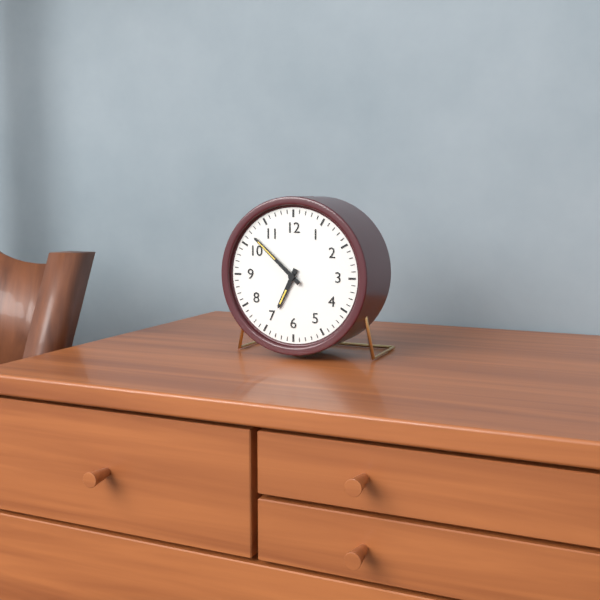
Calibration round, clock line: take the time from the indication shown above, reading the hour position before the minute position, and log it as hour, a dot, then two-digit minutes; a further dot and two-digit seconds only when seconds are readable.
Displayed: 6.52
